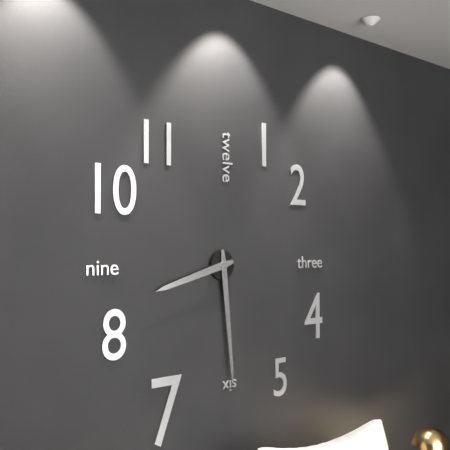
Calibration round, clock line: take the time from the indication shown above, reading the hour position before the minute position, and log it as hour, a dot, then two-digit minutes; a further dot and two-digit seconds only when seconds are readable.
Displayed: 8.29
